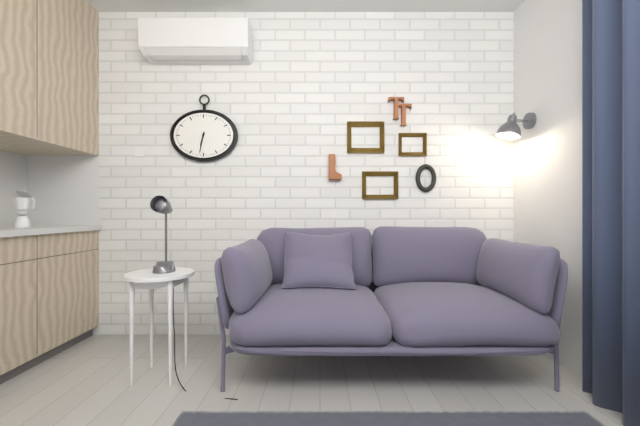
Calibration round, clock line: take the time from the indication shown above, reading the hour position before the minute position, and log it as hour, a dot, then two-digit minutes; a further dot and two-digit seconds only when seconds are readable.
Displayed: 6.32
